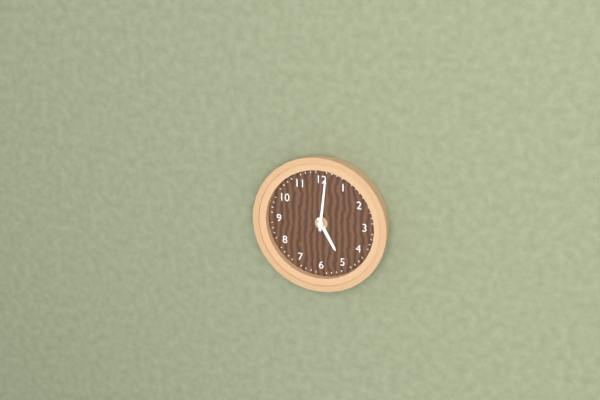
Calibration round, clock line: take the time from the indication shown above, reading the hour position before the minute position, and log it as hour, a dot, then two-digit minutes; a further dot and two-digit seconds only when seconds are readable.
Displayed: 5.01
